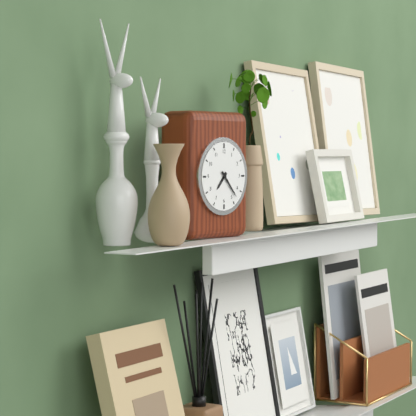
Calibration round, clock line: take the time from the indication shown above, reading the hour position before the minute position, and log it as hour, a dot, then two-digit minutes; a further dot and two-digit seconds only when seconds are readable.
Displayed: 7.23
